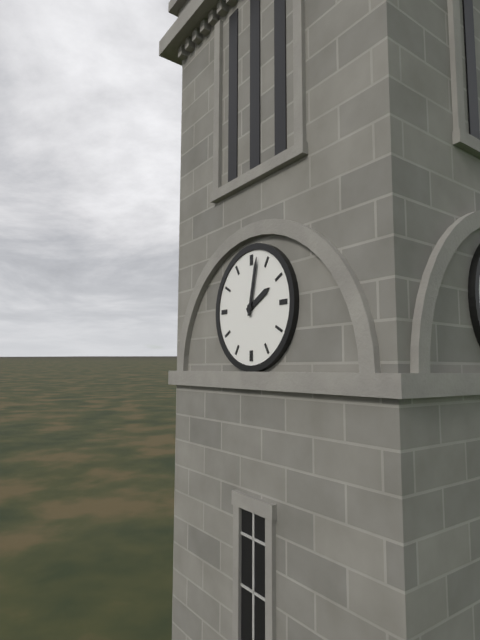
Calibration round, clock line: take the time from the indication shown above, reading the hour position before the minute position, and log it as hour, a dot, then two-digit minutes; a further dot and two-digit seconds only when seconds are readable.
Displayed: 2.02
